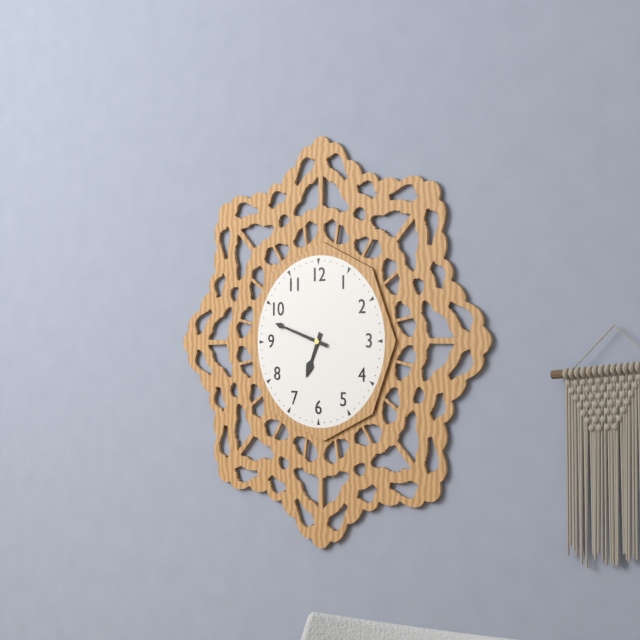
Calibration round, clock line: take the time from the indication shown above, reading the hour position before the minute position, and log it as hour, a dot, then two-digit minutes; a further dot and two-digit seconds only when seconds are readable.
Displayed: 6.48
